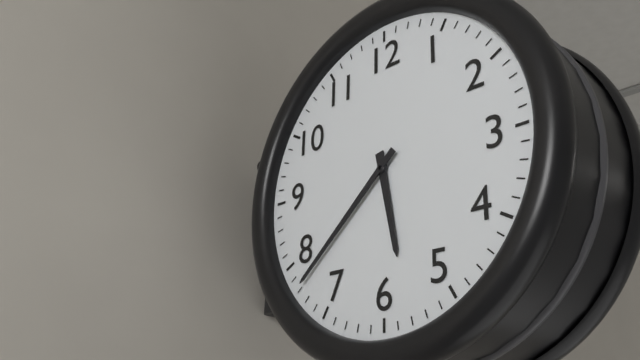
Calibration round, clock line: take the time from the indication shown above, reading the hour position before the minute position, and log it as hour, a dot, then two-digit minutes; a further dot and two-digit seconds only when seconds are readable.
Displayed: 5.38
